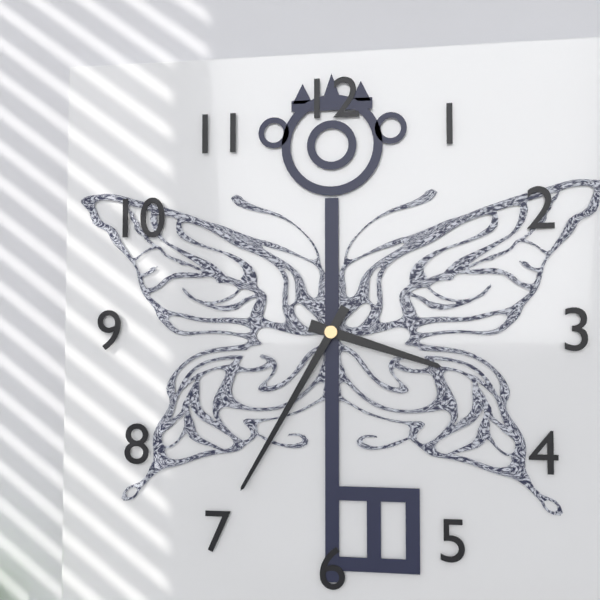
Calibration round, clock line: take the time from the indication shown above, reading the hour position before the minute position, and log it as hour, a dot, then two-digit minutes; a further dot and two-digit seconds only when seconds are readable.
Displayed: 3.35
